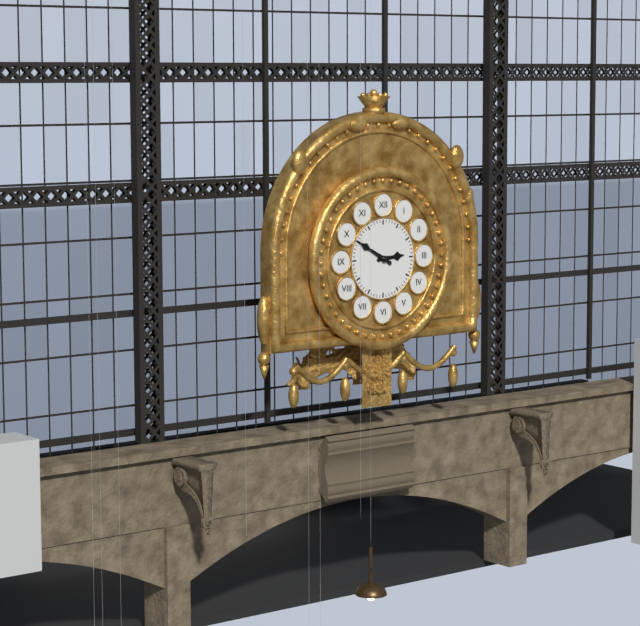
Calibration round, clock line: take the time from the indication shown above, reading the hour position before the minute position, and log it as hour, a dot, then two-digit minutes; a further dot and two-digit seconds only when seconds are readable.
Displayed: 2.50
